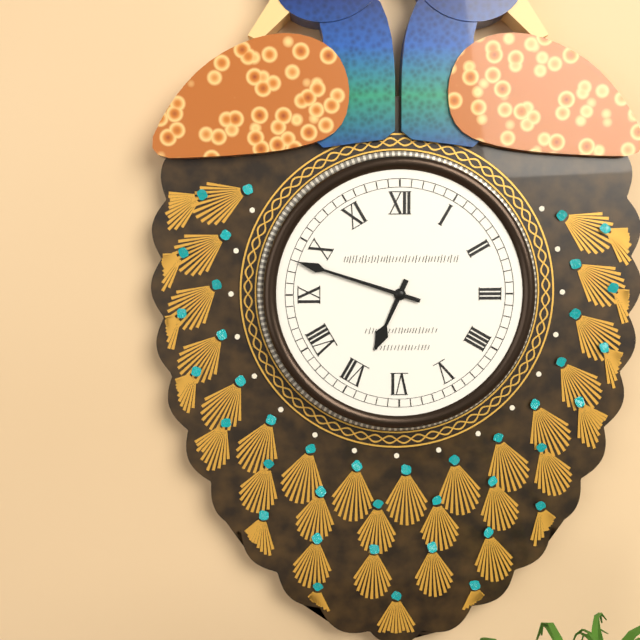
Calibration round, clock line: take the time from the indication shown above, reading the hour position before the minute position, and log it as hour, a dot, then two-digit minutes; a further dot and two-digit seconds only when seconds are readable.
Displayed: 6.48
